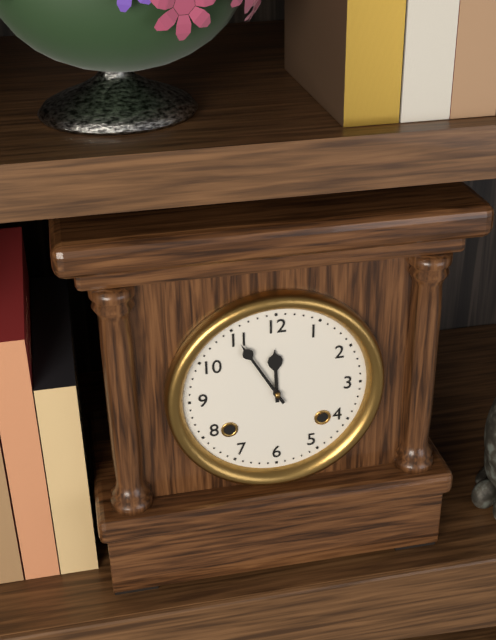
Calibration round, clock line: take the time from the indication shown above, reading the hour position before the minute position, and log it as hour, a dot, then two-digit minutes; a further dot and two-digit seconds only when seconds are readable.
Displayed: 11.55
